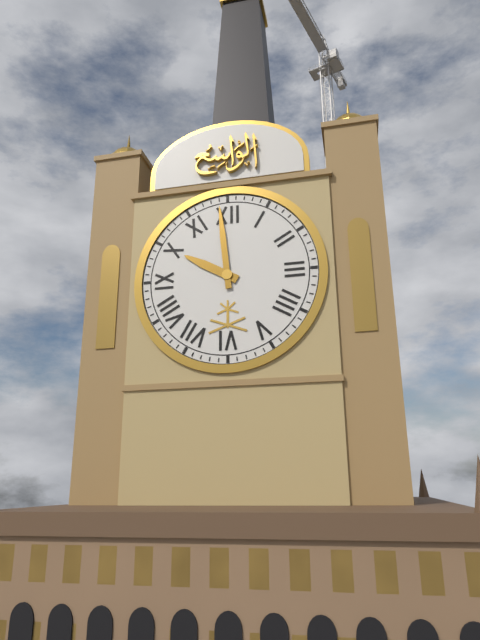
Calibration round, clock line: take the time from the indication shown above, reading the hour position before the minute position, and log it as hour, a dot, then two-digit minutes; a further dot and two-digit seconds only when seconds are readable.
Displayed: 9.59
